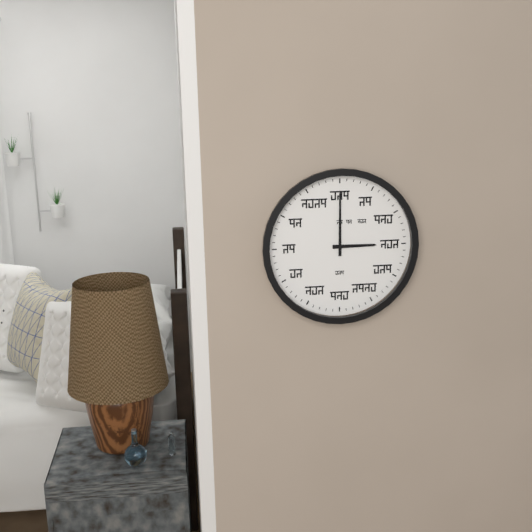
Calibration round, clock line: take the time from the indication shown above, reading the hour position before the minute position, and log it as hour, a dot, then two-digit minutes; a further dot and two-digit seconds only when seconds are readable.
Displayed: 3.00
